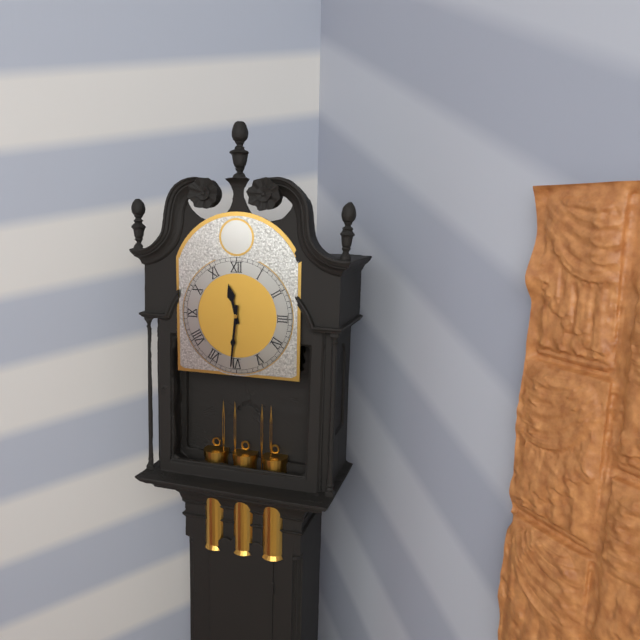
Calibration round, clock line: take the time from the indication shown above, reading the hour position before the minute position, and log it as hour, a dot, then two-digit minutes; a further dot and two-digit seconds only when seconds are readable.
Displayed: 11.31
